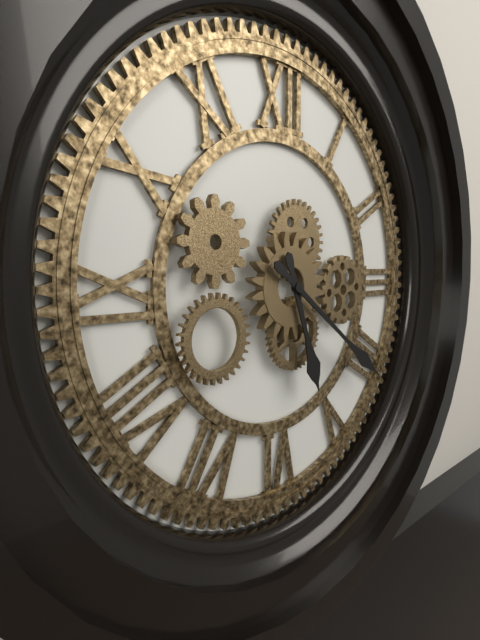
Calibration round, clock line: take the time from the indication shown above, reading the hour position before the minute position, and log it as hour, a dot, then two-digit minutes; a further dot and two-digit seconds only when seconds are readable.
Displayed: 5.21
